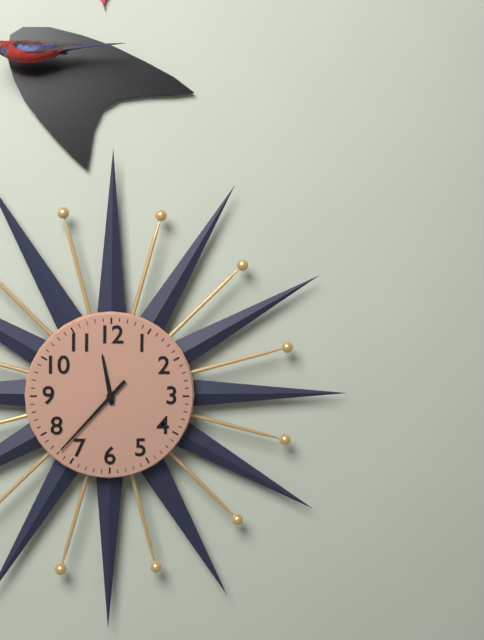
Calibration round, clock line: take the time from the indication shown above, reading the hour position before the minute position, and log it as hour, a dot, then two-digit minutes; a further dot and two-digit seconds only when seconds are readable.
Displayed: 11.37
